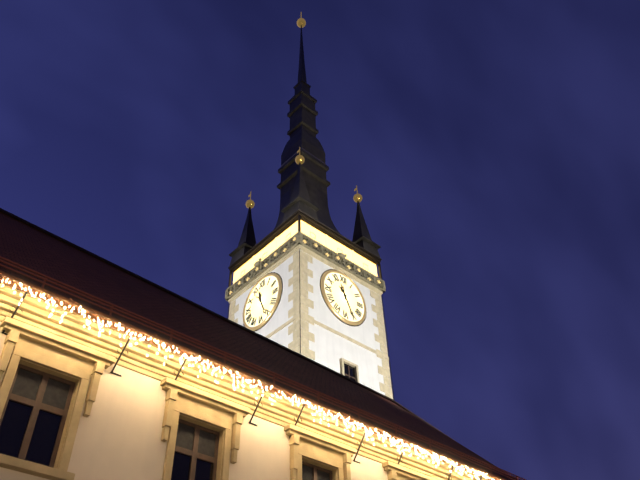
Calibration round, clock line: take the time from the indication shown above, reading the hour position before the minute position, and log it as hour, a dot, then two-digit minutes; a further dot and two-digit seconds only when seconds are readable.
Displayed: 11.26
